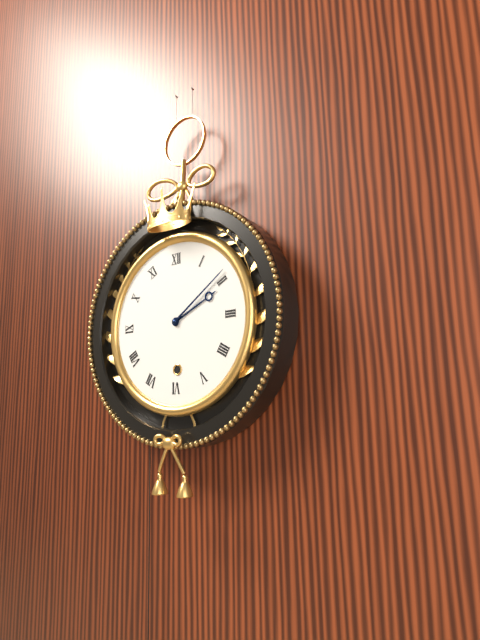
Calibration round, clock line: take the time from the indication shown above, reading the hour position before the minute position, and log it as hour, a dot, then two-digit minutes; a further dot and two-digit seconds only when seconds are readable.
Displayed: 2.09
